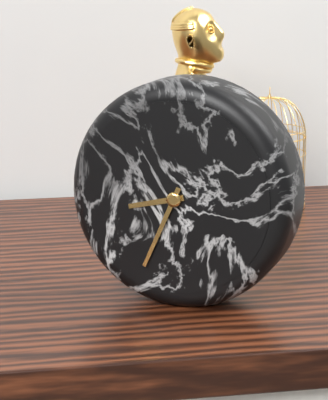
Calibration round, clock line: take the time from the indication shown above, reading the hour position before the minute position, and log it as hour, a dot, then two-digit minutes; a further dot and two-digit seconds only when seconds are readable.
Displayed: 8.34
